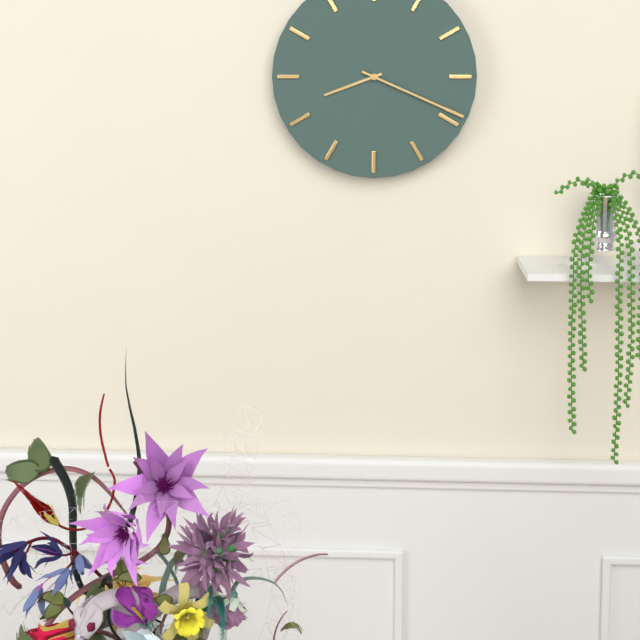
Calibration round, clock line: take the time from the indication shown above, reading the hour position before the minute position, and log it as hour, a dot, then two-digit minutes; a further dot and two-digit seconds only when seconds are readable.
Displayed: 8.19
